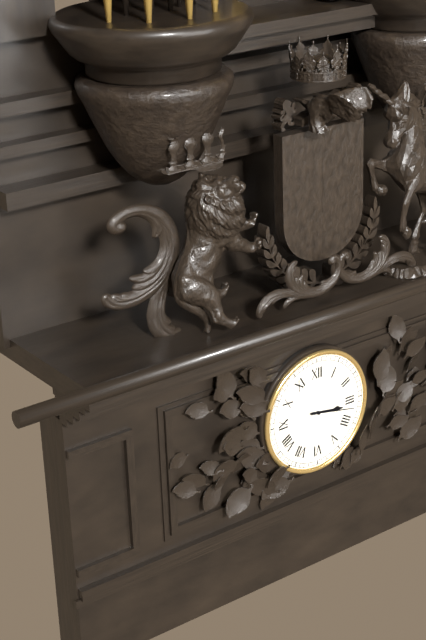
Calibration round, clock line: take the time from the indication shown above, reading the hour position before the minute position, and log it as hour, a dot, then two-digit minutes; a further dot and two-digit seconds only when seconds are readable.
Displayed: 3.17
